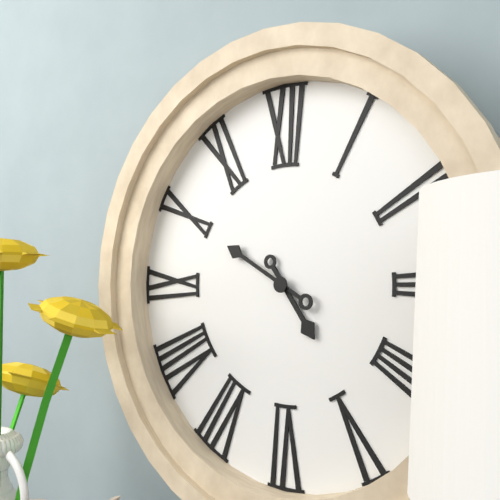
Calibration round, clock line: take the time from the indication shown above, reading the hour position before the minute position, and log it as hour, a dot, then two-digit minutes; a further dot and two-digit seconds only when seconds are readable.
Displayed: 4.50
